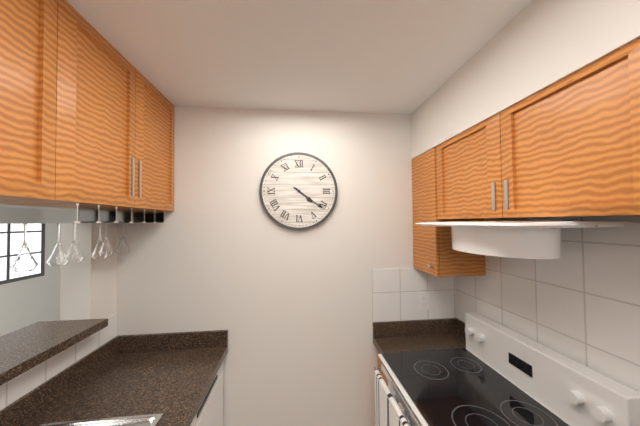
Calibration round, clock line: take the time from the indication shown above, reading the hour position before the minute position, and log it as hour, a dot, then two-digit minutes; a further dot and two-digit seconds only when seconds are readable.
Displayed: 4.21
